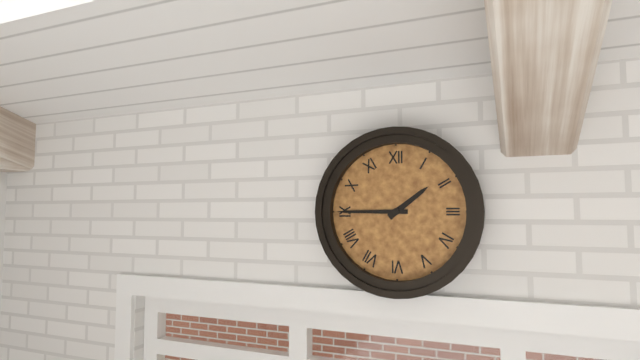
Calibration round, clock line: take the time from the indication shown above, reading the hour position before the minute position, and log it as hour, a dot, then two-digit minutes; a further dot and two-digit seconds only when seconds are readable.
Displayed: 1.45
